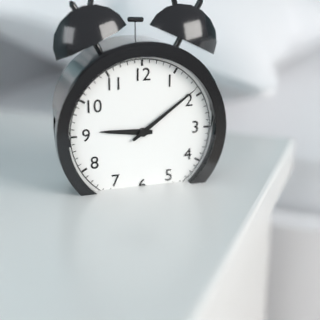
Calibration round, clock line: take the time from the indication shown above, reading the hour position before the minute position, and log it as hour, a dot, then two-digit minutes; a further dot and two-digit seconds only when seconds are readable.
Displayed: 9.09
